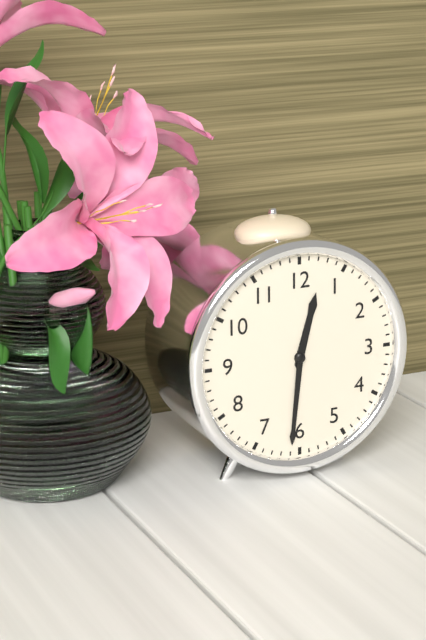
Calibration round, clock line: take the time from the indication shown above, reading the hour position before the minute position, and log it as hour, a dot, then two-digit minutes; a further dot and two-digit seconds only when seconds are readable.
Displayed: 12.31
